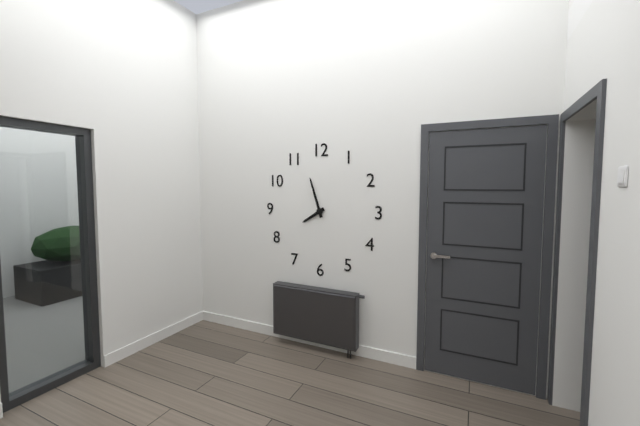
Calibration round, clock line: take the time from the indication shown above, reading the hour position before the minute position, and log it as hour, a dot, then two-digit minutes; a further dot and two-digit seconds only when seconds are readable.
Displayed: 7.57
